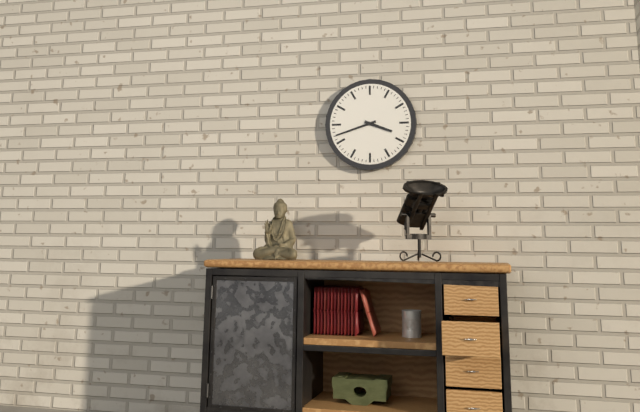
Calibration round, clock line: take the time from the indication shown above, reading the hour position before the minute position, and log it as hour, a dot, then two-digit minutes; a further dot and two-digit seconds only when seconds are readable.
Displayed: 3.42
